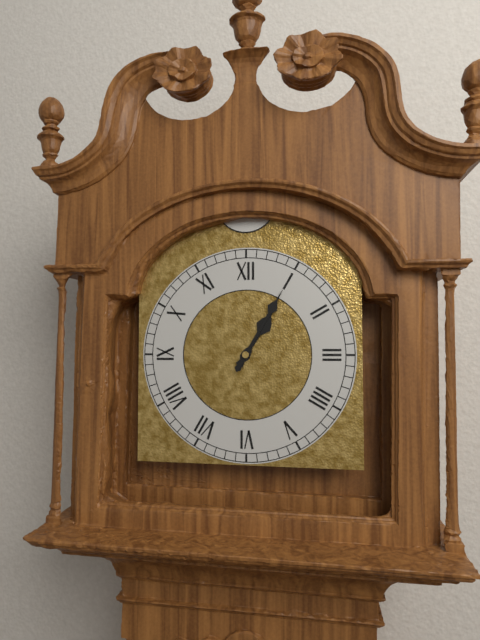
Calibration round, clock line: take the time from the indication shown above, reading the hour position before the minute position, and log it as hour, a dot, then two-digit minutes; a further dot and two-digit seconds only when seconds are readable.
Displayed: 1.05
